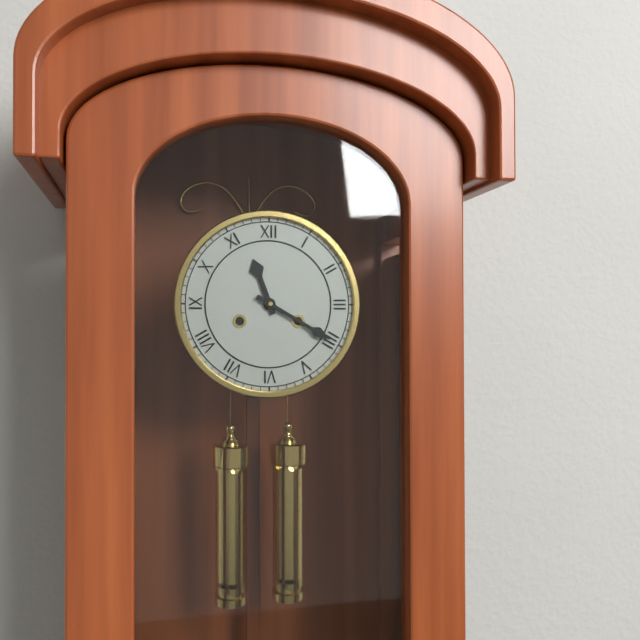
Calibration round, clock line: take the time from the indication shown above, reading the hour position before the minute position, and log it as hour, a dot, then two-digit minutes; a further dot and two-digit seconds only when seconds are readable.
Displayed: 11.20
